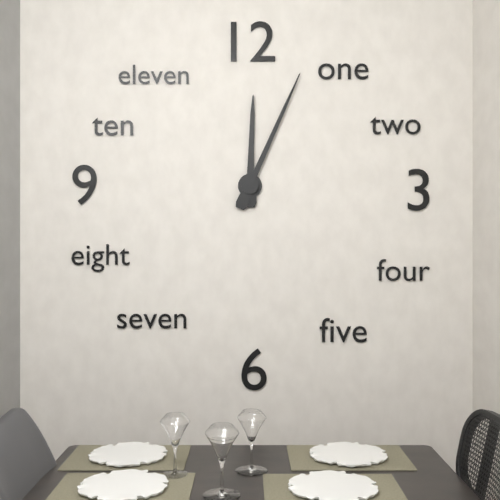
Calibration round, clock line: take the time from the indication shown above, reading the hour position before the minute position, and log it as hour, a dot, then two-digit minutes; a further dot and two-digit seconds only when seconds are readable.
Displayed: 12.04
